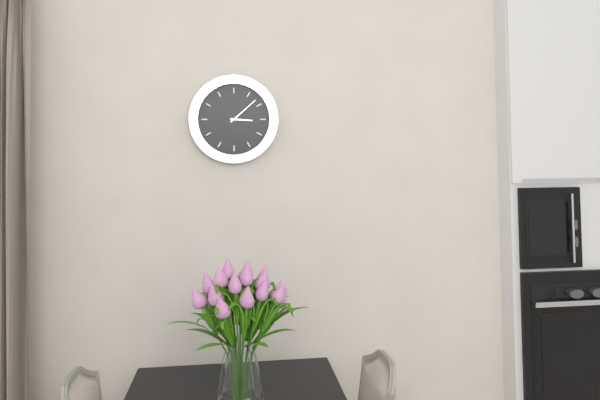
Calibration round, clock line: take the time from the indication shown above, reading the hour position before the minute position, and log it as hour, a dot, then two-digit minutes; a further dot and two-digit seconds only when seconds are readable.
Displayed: 3.08
